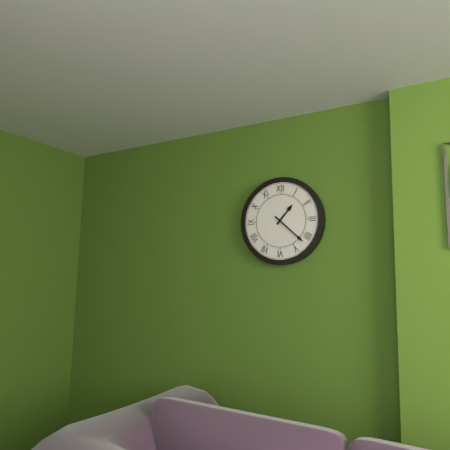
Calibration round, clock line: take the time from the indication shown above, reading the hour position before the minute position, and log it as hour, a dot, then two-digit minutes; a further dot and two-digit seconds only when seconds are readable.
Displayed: 1.22
